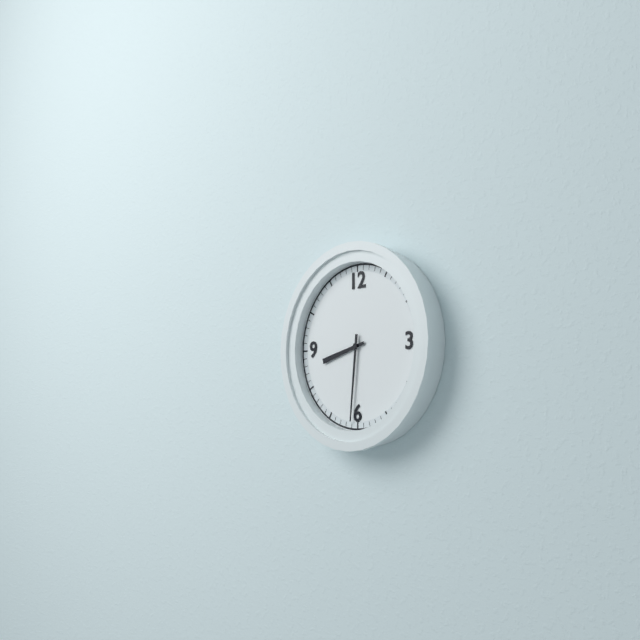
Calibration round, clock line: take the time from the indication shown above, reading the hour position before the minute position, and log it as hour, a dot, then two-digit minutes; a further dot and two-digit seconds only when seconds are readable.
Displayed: 8.31
